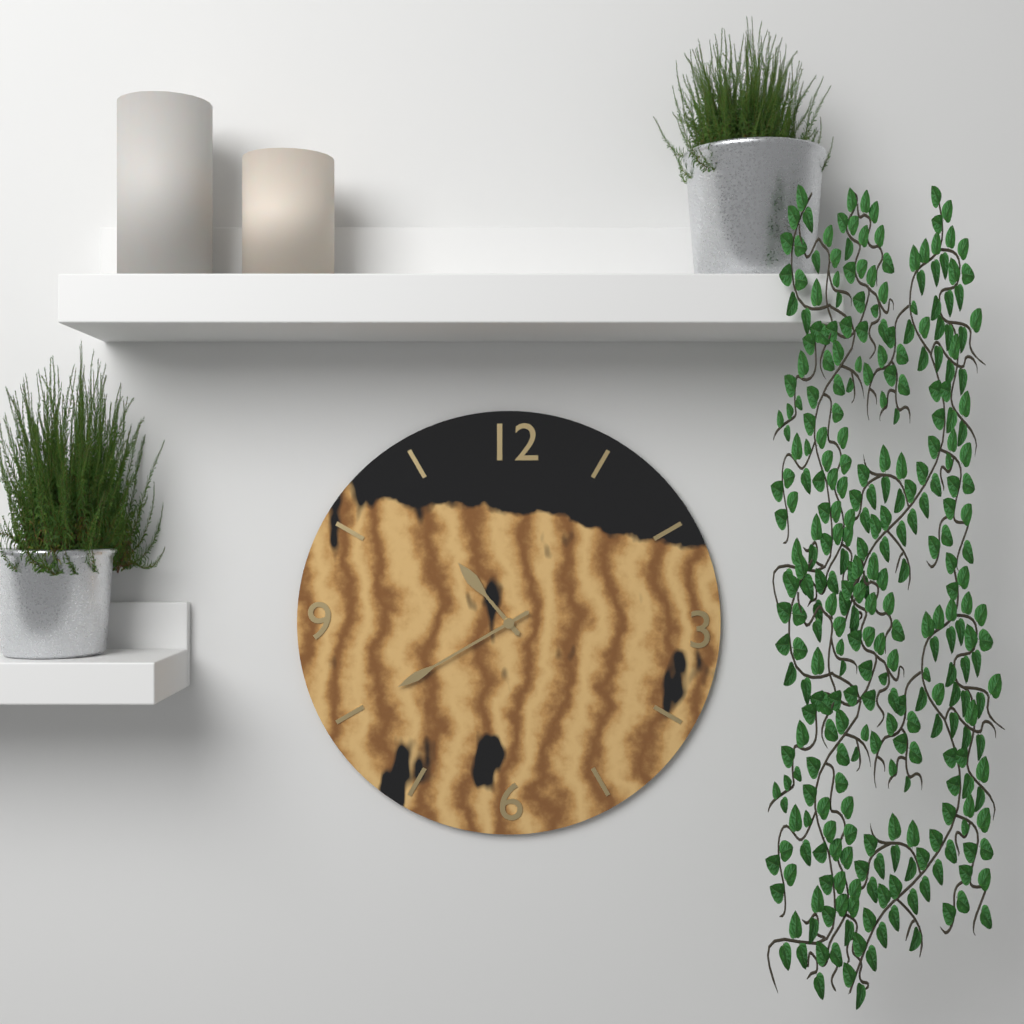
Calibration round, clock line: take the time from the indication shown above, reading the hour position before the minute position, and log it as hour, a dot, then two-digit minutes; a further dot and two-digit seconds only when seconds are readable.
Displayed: 10.40
